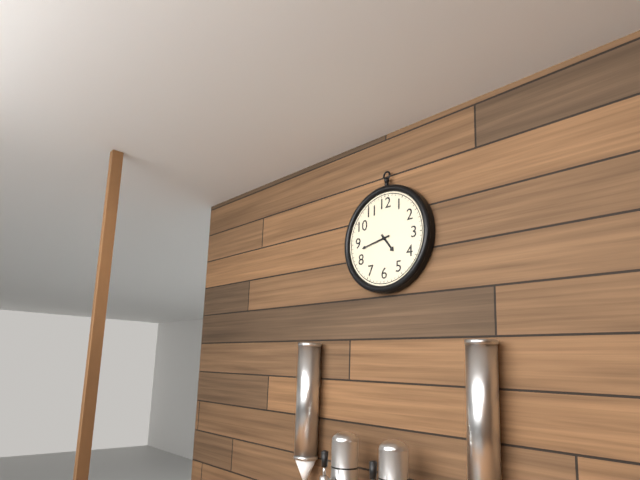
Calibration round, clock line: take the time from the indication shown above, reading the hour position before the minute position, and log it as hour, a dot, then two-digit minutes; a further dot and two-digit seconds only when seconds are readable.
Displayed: 4.43
